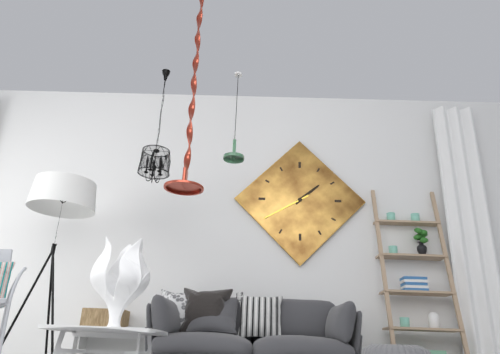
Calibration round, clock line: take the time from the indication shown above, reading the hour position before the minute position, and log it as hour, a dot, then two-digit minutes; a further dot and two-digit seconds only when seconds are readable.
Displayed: 1.40
